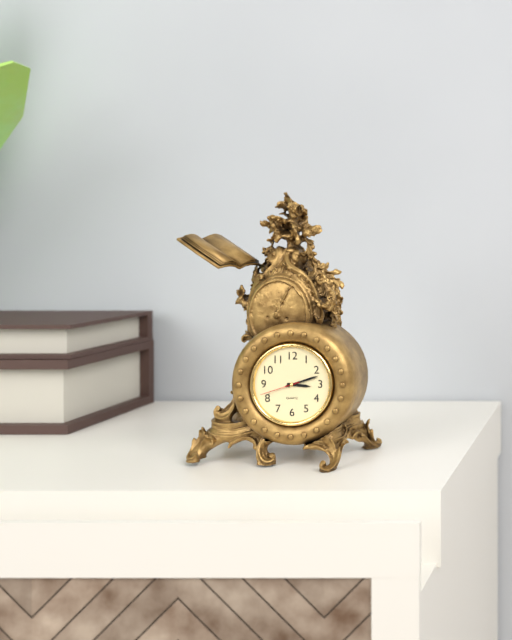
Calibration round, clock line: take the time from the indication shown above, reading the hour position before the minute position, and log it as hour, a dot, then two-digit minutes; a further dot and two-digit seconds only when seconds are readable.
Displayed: 3.12
